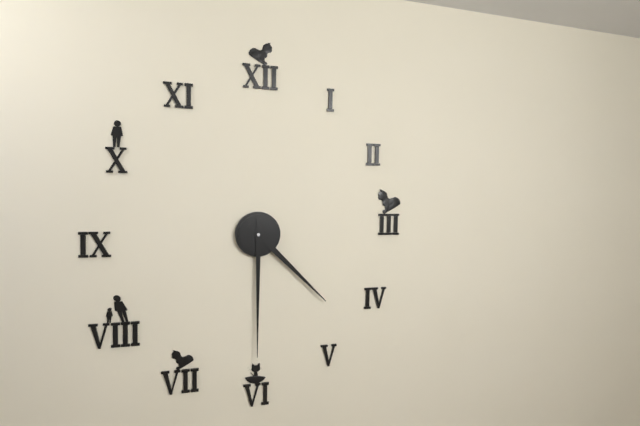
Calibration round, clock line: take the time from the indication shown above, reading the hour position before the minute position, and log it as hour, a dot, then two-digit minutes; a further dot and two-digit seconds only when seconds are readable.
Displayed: 4.30
